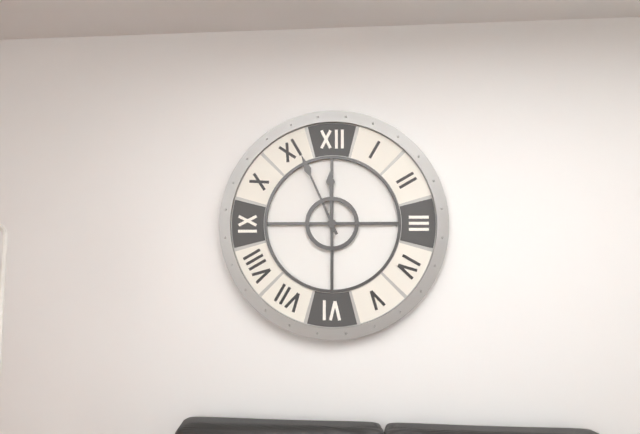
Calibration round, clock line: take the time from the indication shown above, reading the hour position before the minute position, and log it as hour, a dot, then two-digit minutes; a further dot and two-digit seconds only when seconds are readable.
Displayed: 11.56
